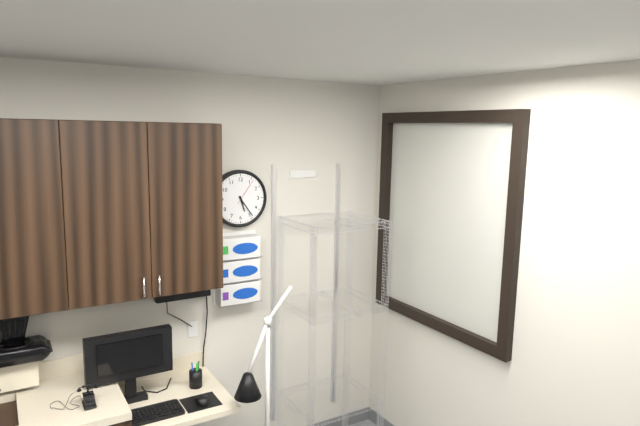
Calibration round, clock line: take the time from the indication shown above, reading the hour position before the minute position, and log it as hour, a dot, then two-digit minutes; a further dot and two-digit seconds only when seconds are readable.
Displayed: 5.24
